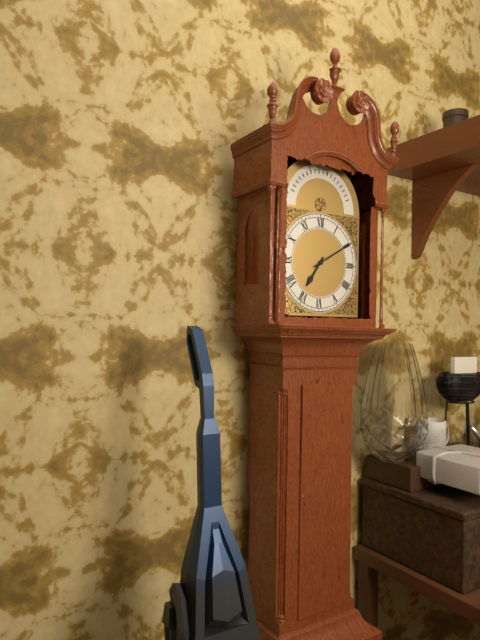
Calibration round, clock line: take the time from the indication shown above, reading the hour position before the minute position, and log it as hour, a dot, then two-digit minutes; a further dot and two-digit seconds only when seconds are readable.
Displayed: 7.10
